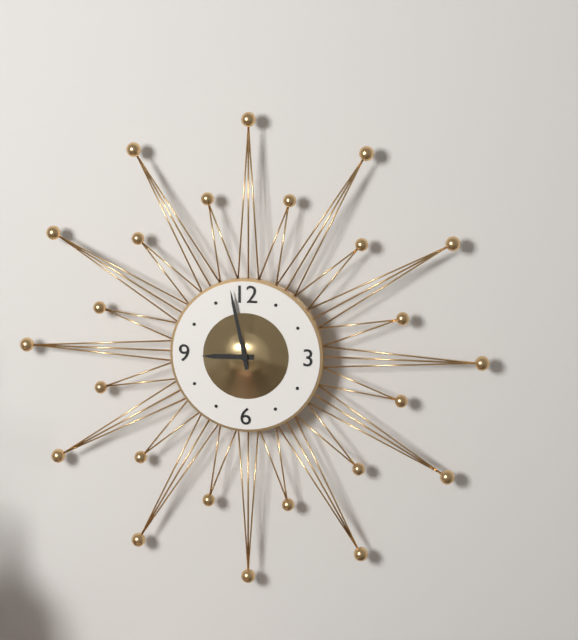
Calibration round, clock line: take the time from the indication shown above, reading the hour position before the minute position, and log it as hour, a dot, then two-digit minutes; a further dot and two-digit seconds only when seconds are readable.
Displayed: 8.58
